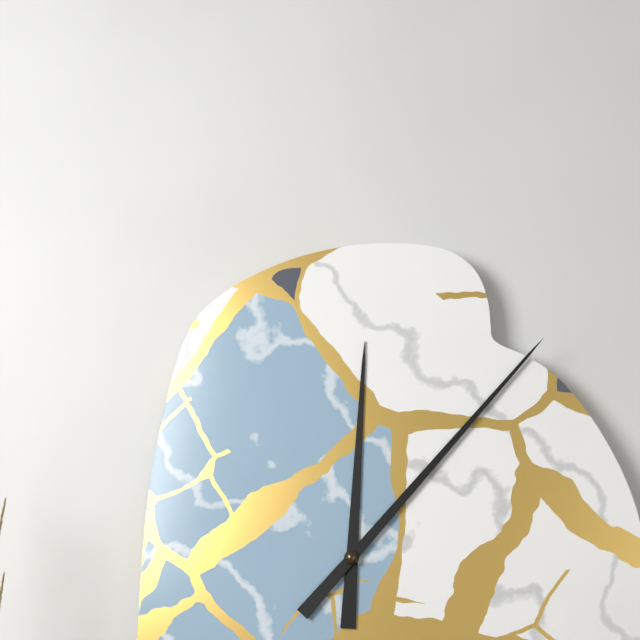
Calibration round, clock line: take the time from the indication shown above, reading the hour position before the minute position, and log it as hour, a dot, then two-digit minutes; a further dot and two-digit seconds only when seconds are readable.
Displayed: 12.07
